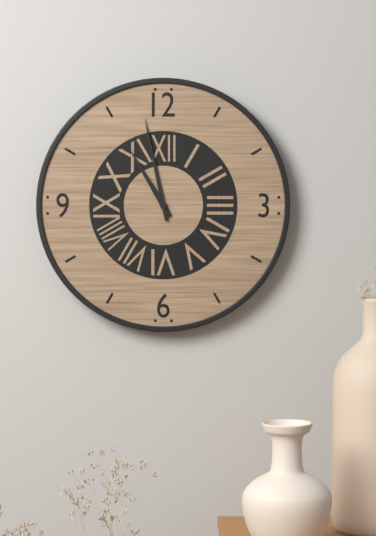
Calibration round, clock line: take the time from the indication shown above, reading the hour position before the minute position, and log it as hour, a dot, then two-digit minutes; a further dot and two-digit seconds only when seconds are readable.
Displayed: 10.58
